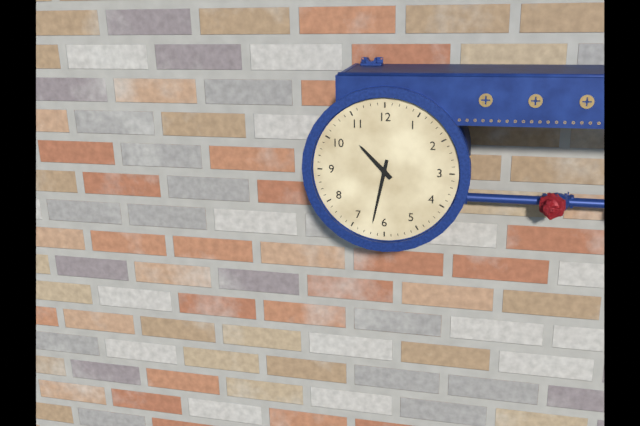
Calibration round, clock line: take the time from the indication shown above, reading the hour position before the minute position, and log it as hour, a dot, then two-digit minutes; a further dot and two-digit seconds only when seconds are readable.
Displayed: 10.32
